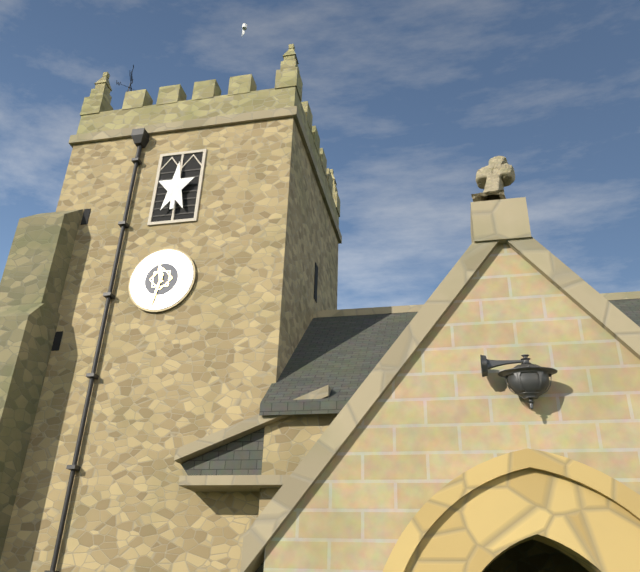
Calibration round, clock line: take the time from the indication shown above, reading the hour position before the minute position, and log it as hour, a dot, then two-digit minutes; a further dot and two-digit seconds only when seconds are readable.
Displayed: 11.32
